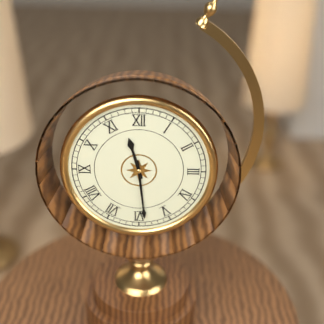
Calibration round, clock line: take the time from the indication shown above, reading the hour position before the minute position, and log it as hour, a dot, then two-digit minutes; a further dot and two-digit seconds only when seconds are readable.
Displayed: 11.29
